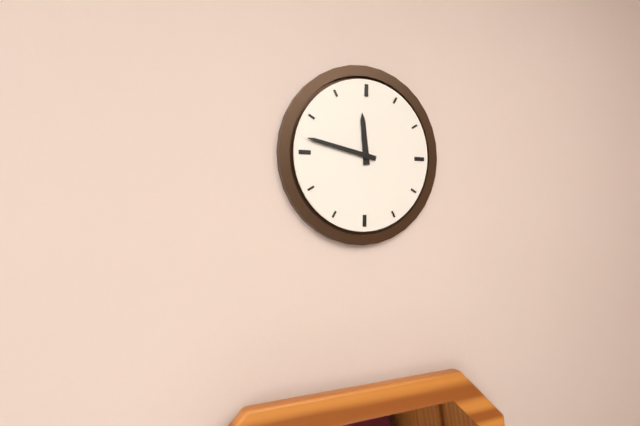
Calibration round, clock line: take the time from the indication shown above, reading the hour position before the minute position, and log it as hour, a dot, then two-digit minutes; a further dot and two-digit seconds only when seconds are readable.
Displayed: 11.47
